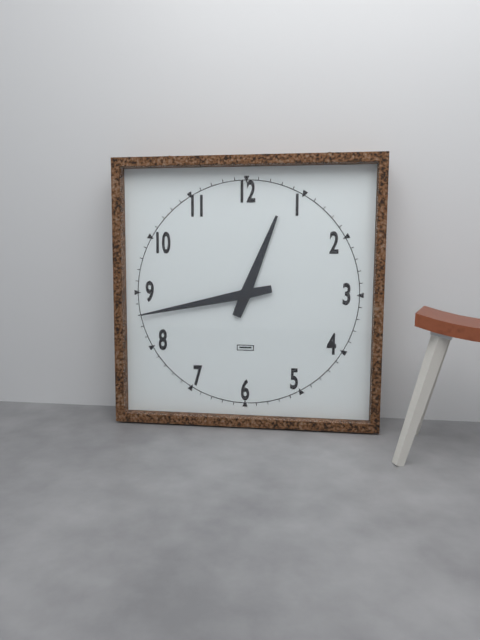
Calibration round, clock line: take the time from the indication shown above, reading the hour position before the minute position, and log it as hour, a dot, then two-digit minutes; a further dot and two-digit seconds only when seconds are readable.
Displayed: 12.43
